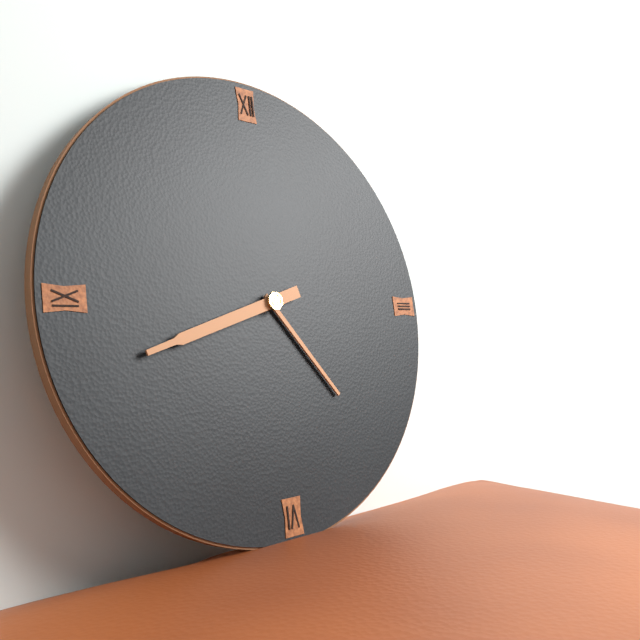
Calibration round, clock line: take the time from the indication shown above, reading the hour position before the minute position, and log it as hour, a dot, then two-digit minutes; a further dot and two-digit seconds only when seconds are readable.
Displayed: 4.42
